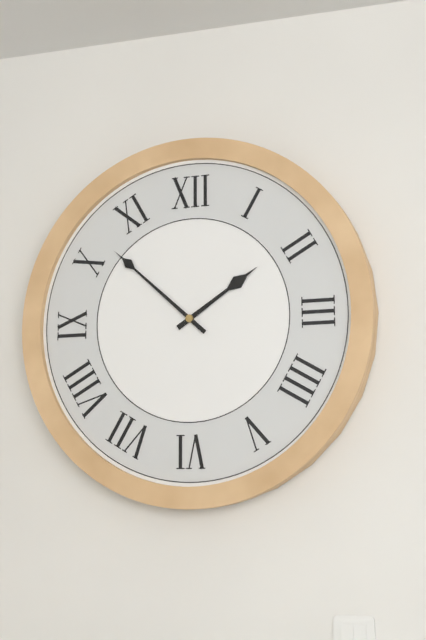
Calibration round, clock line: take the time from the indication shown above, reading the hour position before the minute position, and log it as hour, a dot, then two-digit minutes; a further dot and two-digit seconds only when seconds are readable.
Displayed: 1.52
